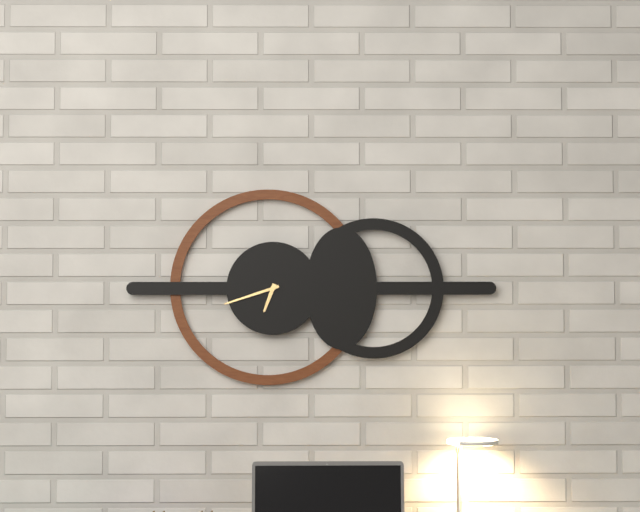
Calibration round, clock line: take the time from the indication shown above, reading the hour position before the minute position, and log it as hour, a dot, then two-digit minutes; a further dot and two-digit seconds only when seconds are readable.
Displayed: 6.42
